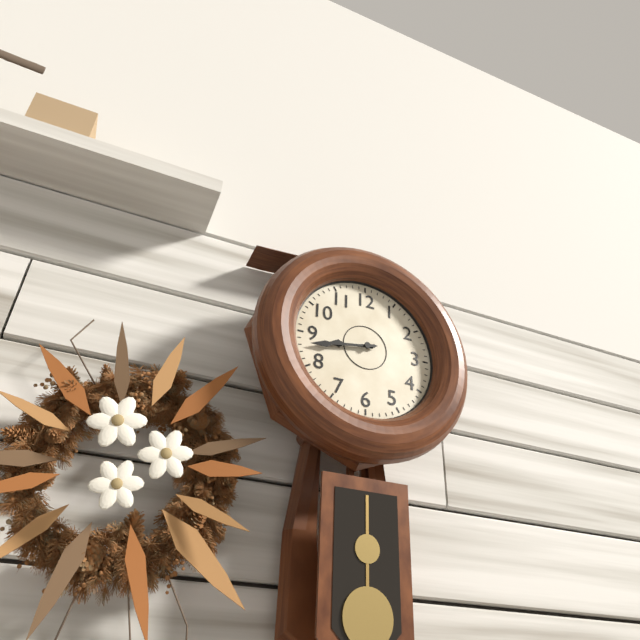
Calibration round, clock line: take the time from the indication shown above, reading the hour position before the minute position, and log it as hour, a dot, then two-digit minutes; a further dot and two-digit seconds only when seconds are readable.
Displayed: 8.43
